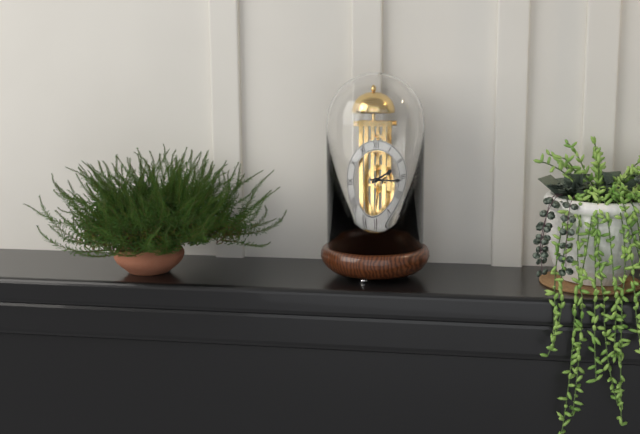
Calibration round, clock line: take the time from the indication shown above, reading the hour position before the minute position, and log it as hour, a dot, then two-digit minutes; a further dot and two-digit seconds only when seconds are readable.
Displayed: 2.16
